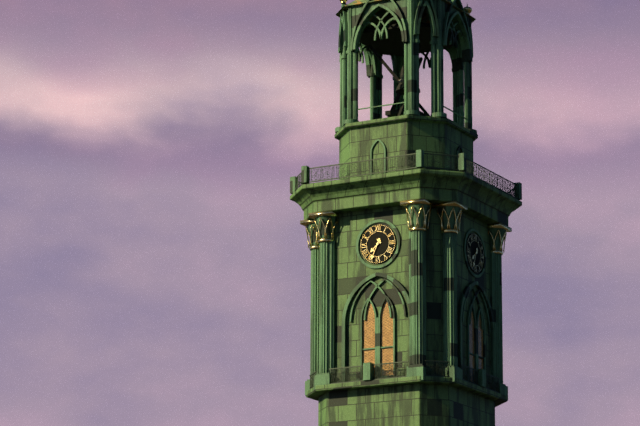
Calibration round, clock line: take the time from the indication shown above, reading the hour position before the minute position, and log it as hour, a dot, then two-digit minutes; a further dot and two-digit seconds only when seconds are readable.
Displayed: 7.34
